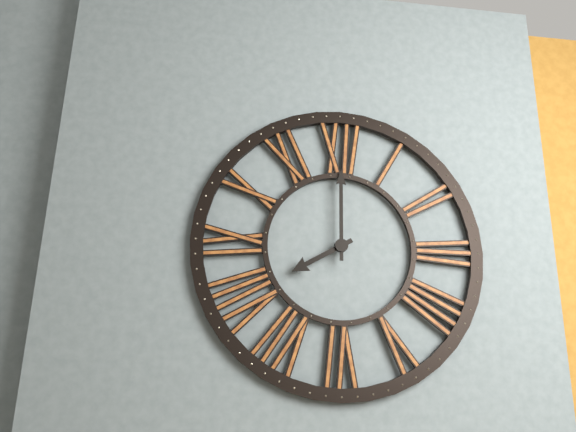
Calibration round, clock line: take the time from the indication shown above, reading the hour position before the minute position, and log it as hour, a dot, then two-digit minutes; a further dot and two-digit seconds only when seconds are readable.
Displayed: 8.00
